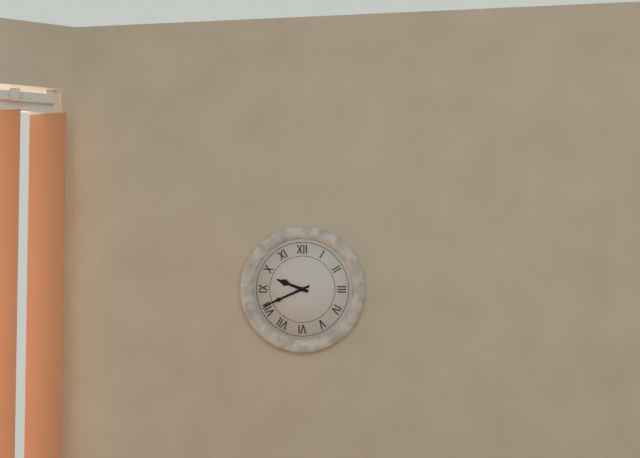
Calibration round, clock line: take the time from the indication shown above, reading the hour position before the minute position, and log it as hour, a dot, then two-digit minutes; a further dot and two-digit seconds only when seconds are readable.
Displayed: 9.41
